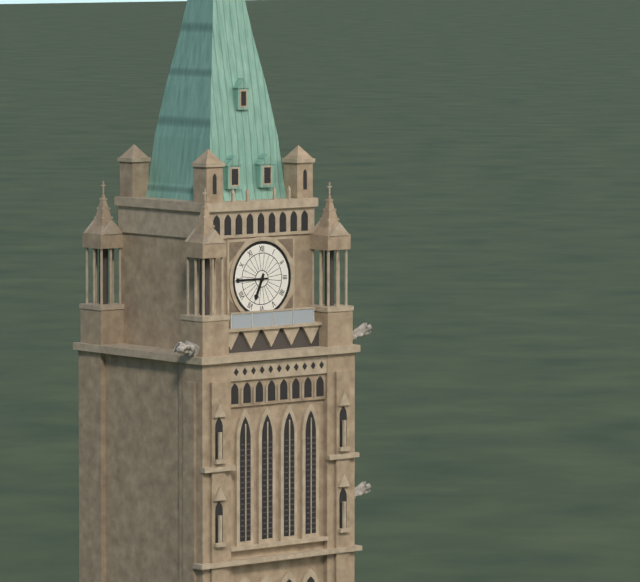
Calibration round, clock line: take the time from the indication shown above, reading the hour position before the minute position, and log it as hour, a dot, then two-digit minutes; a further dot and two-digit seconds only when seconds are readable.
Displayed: 6.45
